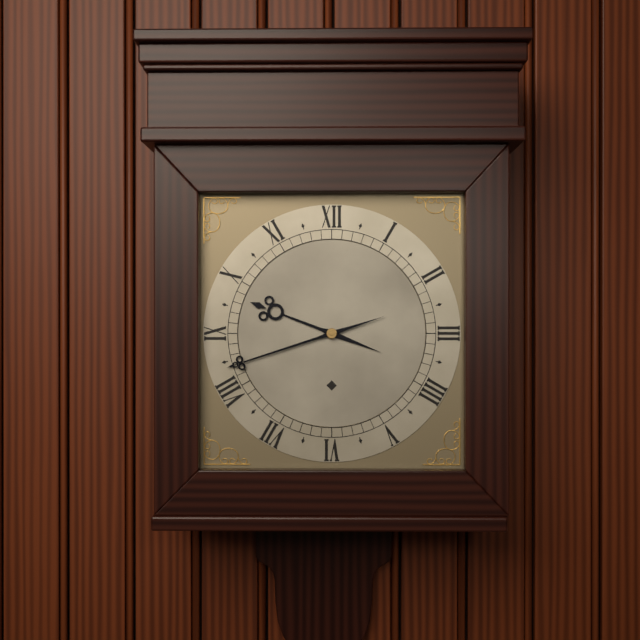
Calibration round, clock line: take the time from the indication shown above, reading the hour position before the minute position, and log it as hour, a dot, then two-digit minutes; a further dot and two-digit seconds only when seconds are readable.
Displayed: 9.42
